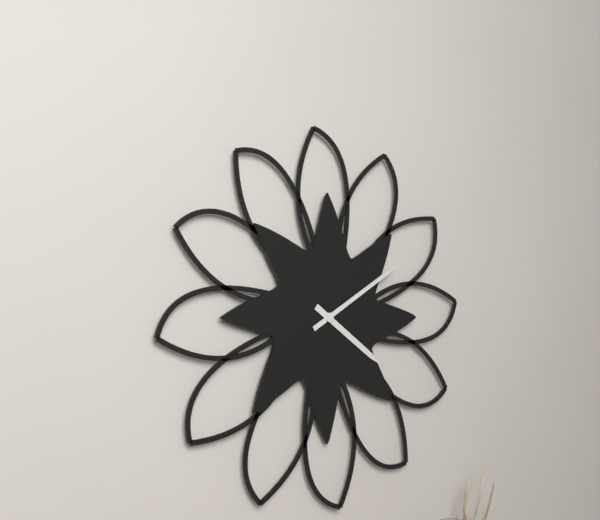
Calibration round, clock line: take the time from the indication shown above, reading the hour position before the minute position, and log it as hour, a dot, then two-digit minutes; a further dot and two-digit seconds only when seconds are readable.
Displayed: 4.10
